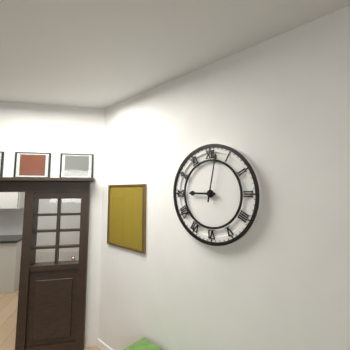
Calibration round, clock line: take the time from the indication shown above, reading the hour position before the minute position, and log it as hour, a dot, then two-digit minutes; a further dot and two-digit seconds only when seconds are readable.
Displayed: 9.02
